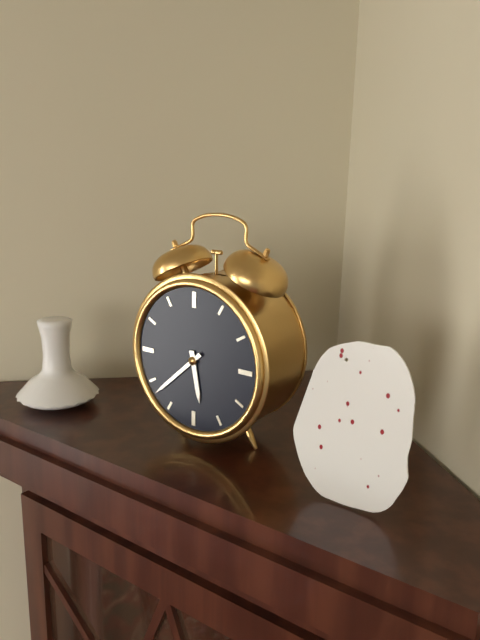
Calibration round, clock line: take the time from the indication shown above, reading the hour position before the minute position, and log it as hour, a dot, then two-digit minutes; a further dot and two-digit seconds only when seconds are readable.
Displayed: 5.38
